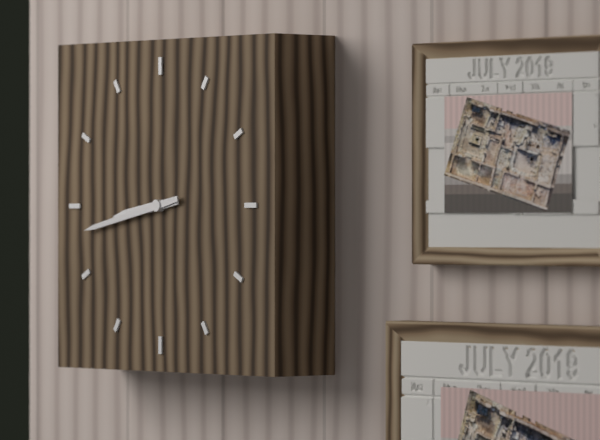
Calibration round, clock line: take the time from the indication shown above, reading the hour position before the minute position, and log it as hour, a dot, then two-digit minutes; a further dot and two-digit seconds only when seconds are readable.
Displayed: 8.43
